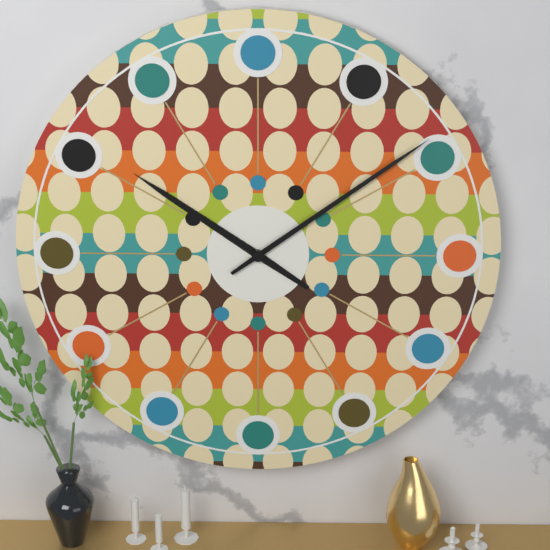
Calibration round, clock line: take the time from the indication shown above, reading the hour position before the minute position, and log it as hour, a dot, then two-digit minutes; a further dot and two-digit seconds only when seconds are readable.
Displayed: 10.09
